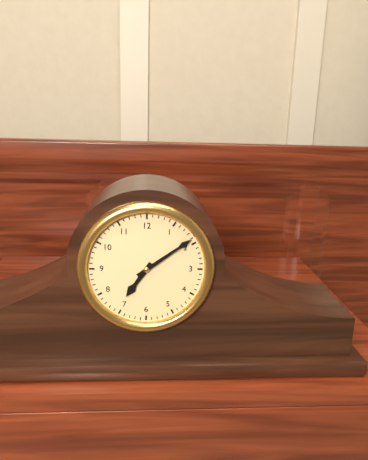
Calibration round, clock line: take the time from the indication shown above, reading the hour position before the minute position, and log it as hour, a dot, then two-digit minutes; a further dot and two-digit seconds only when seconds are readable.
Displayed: 7.09
